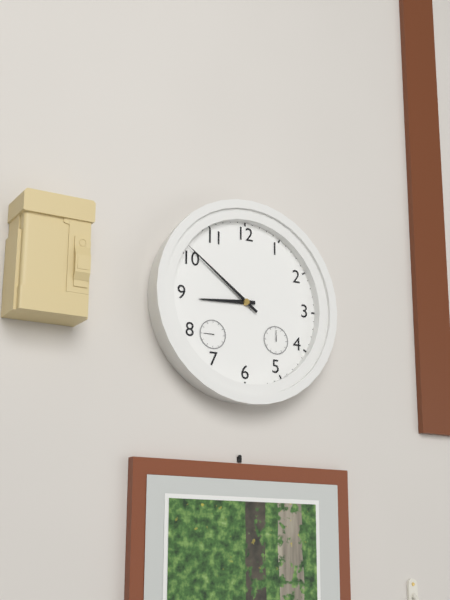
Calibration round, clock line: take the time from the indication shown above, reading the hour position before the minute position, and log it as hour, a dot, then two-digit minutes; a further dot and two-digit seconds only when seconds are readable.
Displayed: 8.51
